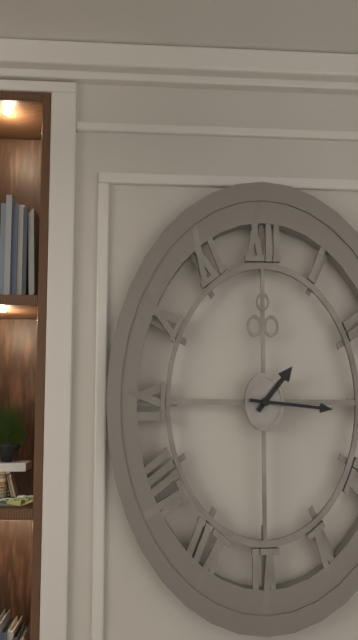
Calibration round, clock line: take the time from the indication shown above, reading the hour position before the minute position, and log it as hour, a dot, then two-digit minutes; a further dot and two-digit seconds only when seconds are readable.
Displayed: 1.16
